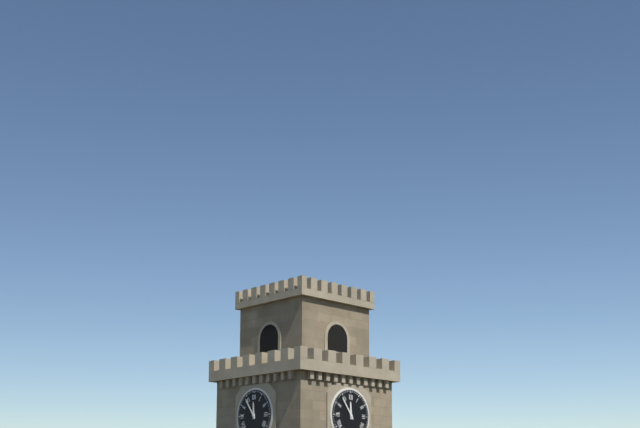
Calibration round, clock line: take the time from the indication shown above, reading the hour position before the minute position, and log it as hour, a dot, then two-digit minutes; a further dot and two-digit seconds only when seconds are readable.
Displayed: 11.54
